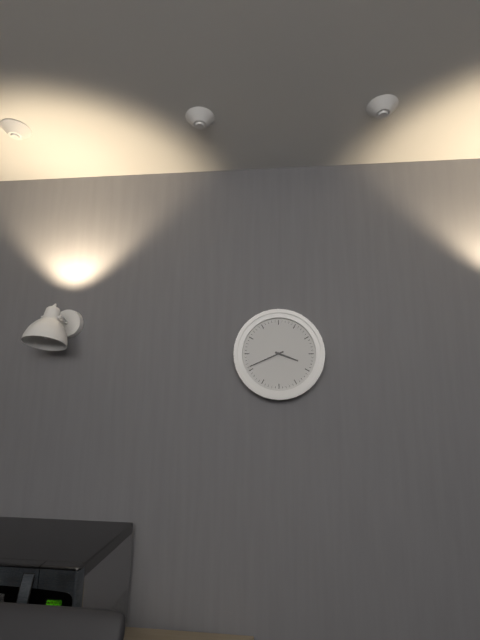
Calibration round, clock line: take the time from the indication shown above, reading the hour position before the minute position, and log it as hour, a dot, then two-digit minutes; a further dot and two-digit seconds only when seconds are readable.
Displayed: 3.41
